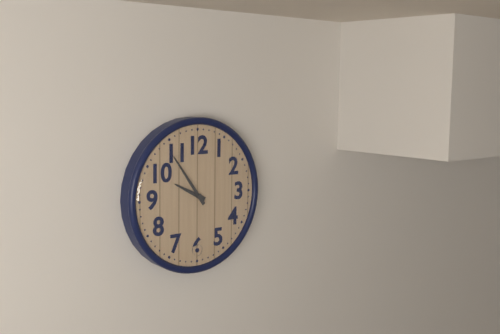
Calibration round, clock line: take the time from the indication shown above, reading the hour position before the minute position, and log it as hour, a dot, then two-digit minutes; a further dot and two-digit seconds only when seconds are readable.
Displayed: 9.54
